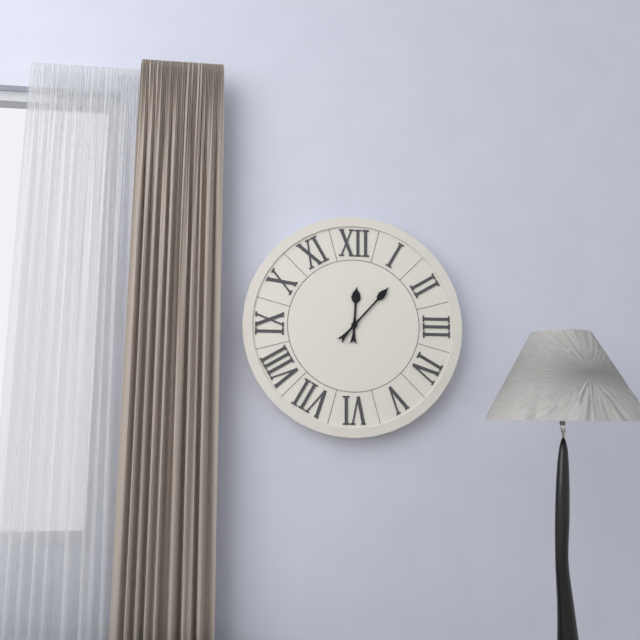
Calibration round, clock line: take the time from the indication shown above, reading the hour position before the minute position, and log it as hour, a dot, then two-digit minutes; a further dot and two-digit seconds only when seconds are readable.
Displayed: 12.07
